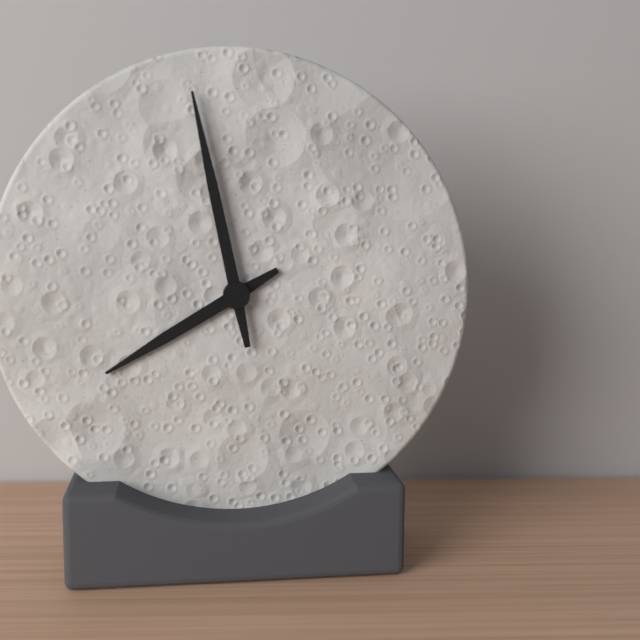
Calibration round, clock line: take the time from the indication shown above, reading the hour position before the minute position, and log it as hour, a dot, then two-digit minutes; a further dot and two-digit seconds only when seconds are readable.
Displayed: 7.58
